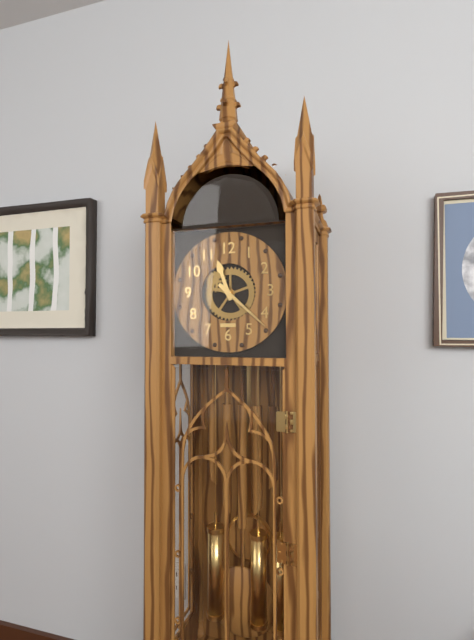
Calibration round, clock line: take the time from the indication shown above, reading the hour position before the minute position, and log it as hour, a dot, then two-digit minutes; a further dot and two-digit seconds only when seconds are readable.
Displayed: 11.22
